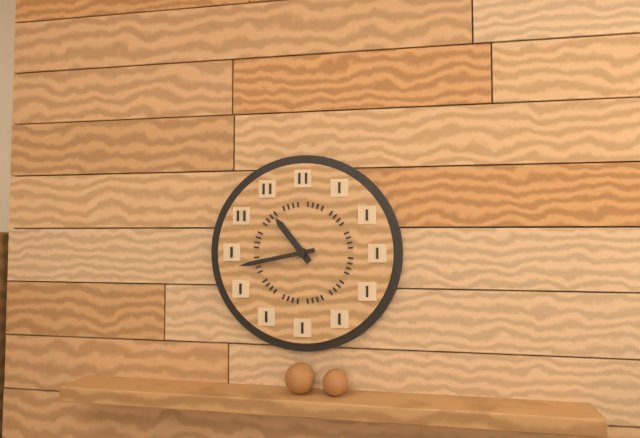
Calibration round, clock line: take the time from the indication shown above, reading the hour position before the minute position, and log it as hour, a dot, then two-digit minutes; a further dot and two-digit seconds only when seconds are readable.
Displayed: 10.43
